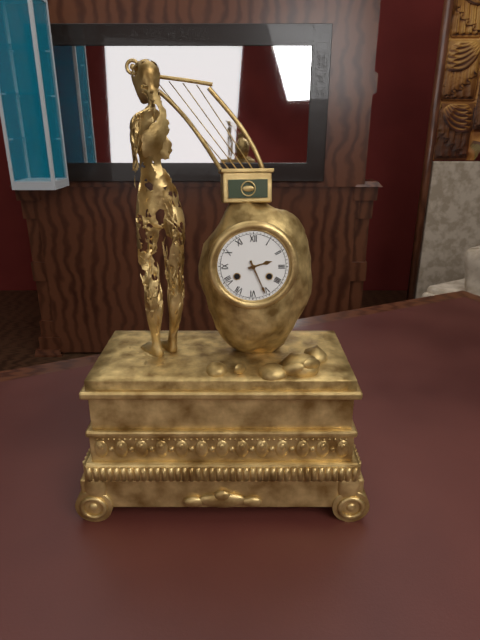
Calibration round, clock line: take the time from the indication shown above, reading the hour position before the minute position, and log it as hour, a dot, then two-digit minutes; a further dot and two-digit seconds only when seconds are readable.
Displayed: 2.26
